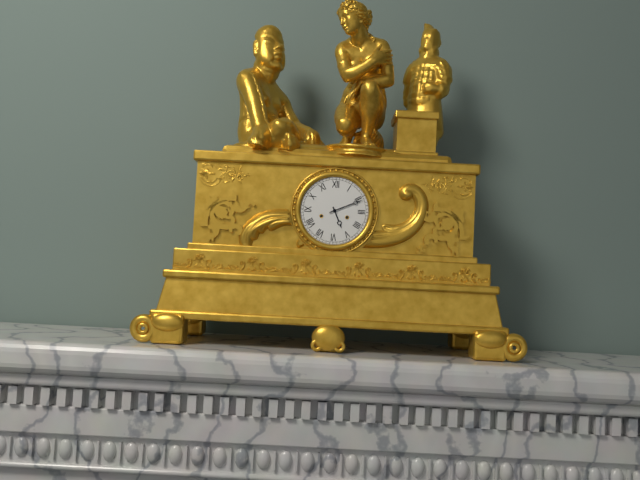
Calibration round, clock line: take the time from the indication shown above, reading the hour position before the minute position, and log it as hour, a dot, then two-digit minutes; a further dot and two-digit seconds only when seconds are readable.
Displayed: 5.11
